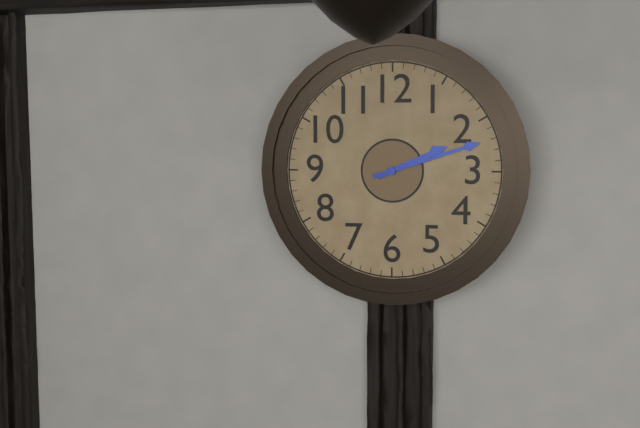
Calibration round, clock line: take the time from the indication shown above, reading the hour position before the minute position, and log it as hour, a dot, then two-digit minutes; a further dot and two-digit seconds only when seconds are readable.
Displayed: 2.12
